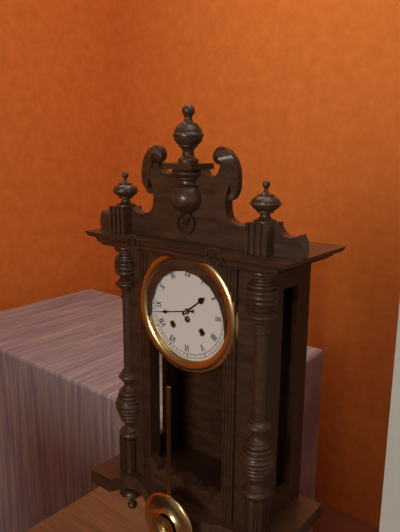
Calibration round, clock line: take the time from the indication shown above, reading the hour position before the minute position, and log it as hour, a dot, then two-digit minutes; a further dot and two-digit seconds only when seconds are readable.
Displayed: 1.43
